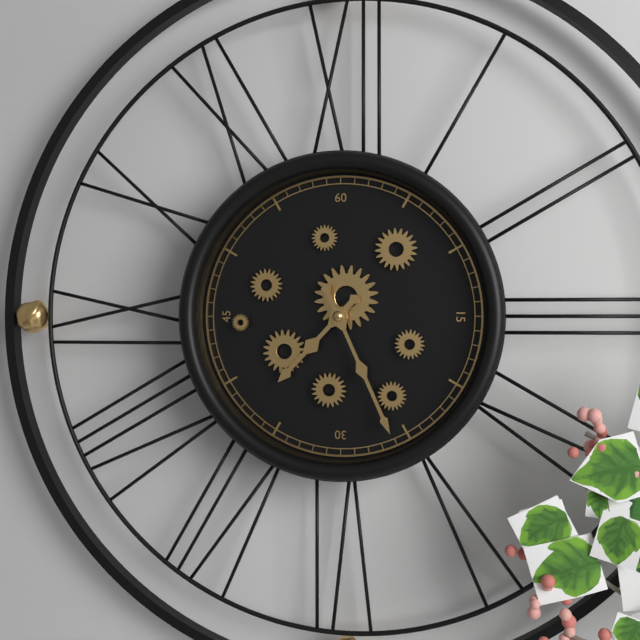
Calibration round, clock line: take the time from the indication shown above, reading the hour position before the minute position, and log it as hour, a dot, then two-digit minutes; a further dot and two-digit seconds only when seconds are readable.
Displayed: 7.26
